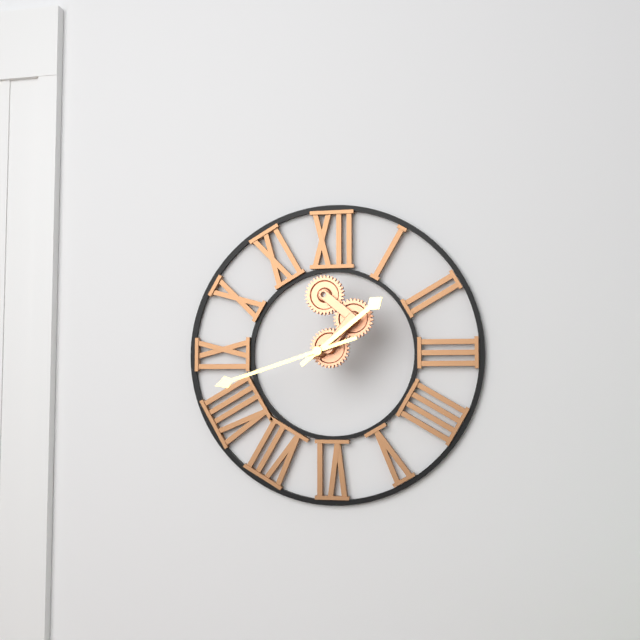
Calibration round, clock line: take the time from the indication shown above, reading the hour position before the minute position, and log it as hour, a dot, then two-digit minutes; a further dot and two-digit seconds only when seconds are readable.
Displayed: 1.42
